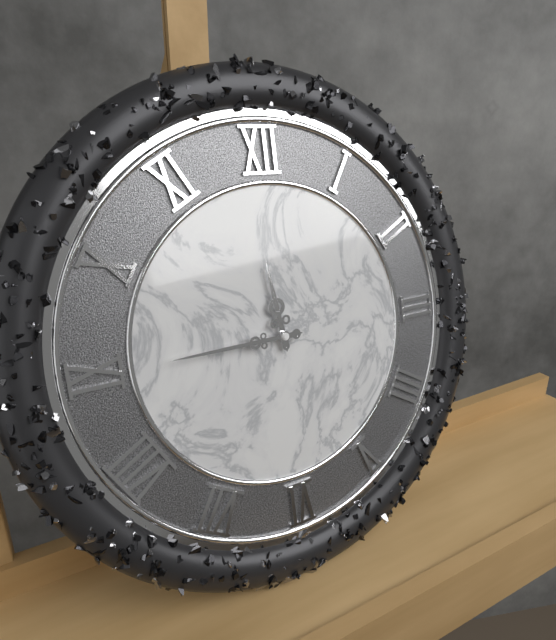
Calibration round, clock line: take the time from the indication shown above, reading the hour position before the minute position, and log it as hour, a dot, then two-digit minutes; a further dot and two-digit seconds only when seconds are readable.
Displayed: 11.45
